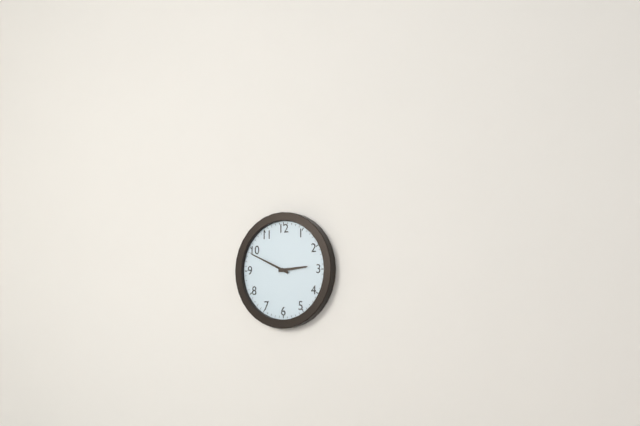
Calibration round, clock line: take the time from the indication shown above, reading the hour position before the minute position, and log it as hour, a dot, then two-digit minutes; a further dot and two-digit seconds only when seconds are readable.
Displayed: 2.49
